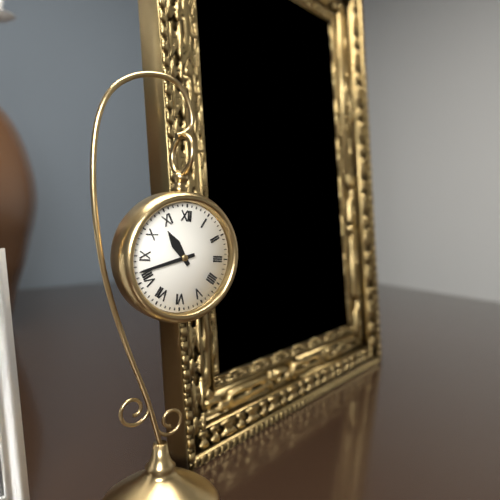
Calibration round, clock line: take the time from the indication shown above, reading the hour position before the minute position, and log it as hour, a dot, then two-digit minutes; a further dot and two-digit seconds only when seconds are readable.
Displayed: 10.42
